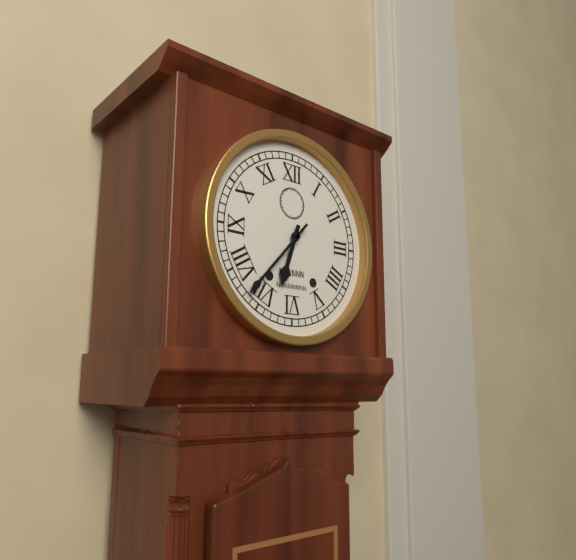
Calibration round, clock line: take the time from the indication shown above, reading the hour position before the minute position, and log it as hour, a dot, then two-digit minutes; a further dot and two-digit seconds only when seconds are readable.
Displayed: 6.37
